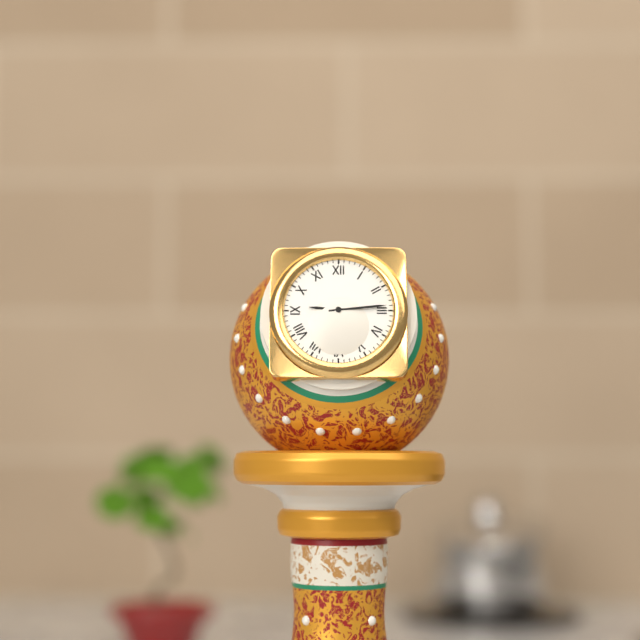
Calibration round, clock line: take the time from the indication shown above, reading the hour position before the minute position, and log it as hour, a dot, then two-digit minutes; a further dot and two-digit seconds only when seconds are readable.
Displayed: 9.14
